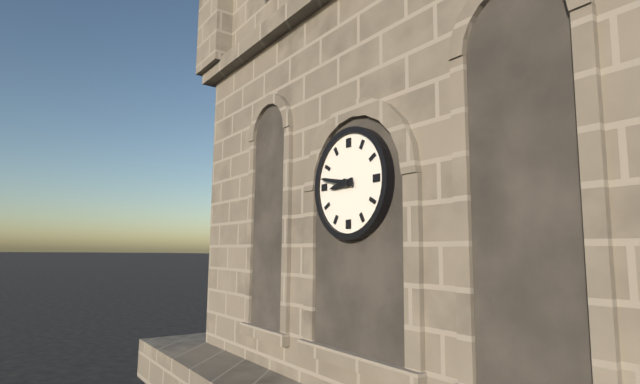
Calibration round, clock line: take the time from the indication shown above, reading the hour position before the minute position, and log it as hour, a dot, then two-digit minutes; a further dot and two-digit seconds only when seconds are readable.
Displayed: 8.47
